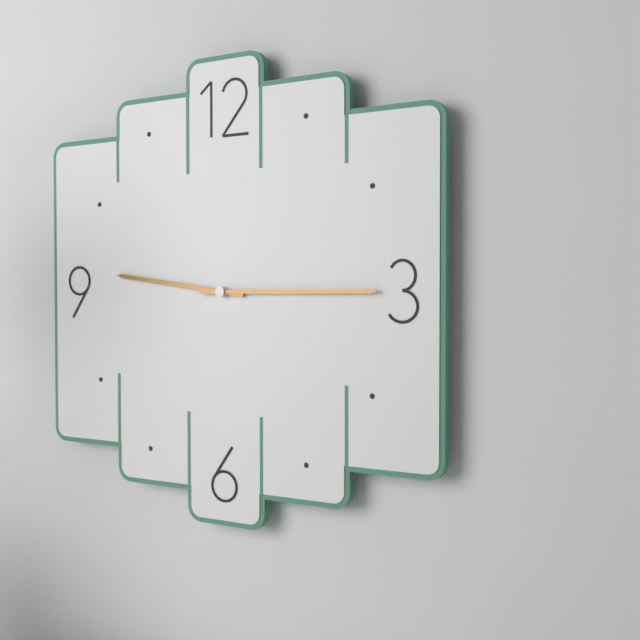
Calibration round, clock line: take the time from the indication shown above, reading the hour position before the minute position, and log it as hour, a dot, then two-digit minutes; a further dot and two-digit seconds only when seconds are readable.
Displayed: 9.15
